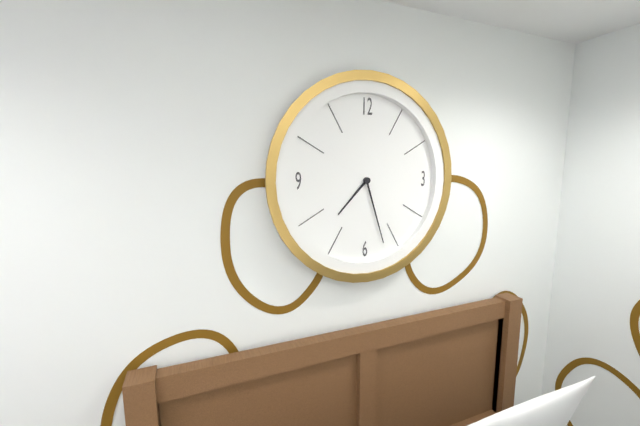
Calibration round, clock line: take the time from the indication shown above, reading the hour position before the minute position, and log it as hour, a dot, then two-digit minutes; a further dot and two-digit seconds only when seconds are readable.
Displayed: 7.27
